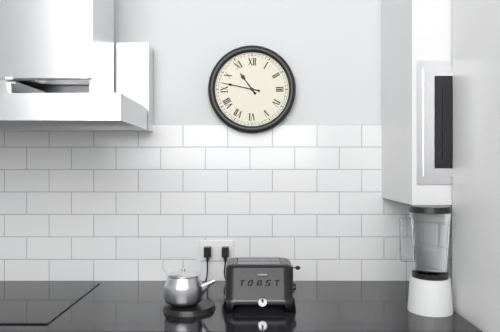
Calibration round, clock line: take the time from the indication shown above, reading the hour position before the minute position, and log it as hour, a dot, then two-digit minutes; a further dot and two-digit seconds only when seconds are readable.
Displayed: 10.47
